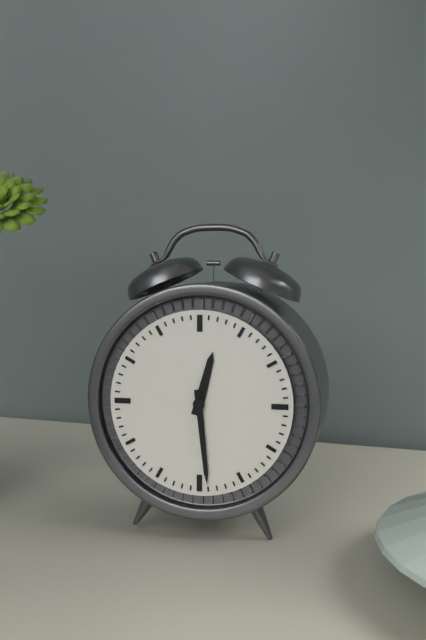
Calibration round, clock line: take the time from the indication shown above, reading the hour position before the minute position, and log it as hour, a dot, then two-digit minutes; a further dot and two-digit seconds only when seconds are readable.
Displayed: 12.29
